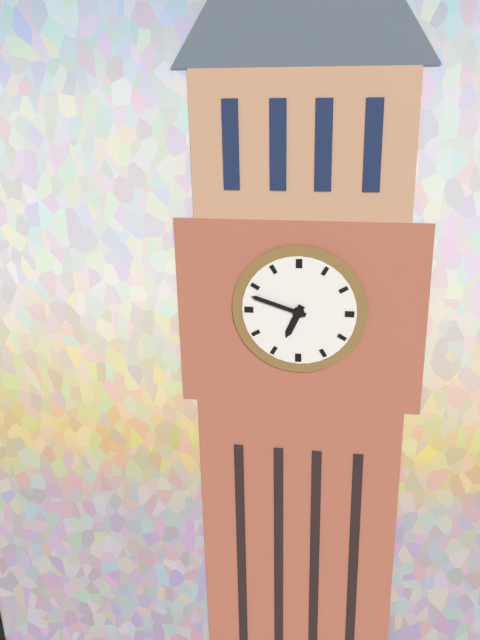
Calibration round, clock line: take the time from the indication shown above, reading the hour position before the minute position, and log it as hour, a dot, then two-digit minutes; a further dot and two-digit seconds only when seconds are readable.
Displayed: 6.48
